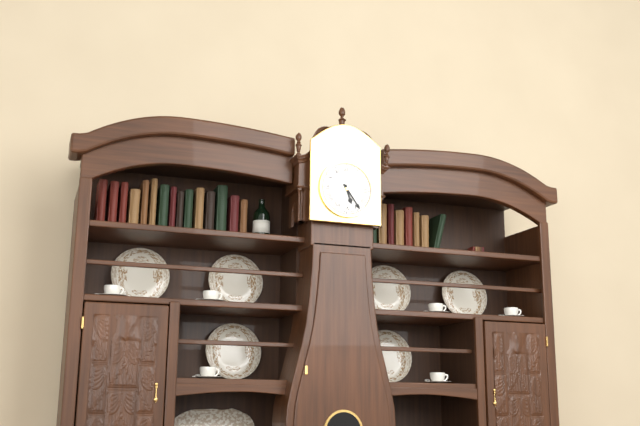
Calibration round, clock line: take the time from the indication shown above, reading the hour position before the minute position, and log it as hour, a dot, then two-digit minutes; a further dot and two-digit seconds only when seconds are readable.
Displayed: 5.24
